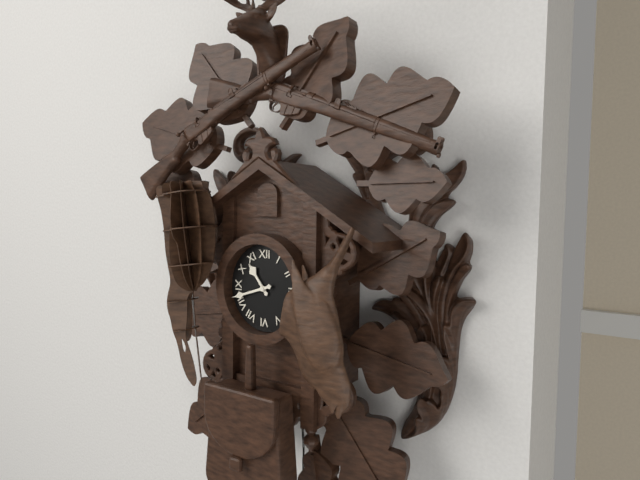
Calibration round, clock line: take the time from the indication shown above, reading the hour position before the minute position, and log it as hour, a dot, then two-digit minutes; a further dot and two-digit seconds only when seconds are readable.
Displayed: 10.42
